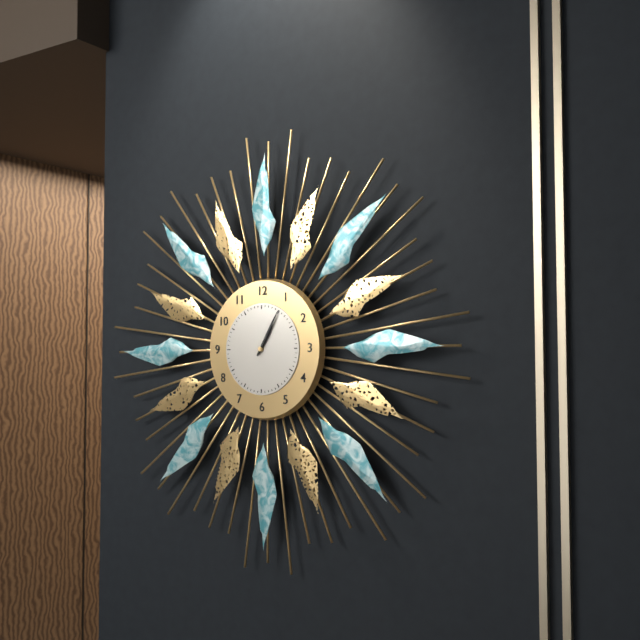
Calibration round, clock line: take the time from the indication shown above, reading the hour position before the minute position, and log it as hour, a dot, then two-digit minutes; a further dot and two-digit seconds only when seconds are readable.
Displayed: 1.05
